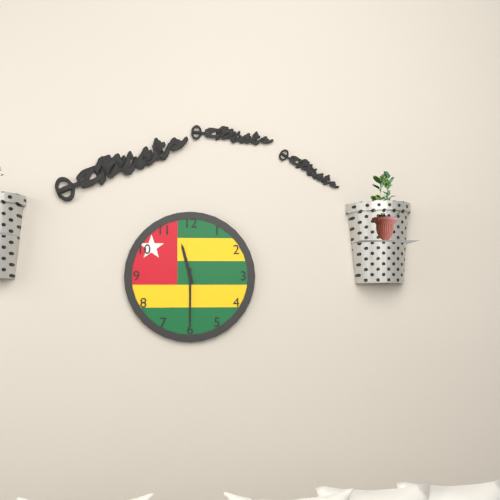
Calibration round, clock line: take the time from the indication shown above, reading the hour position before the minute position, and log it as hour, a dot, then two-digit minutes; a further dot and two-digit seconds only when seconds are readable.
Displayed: 11.30
